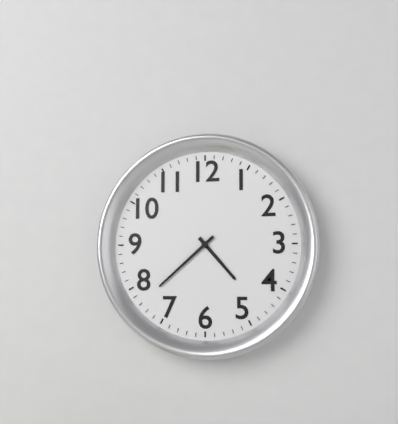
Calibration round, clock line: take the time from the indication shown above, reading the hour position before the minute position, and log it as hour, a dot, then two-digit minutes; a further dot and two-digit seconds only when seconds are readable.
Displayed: 4.38
